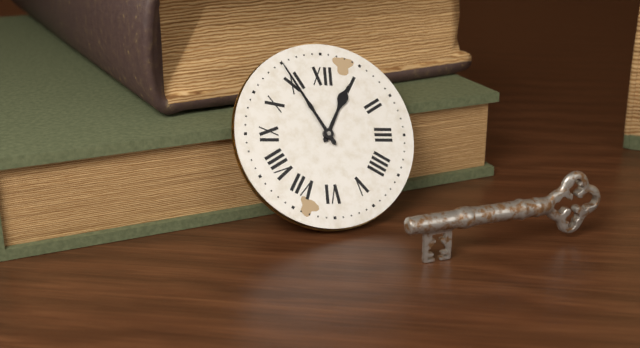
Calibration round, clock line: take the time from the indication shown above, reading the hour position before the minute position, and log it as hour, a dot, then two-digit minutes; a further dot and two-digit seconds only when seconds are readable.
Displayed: 12.55
